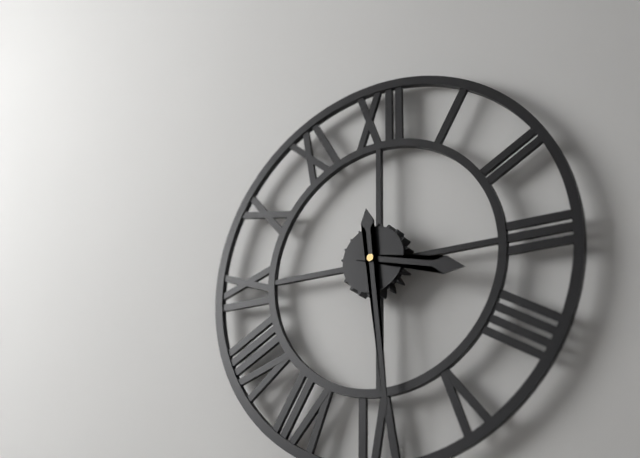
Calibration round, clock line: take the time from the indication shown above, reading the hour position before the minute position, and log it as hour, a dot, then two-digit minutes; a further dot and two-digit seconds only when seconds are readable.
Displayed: 3.29
